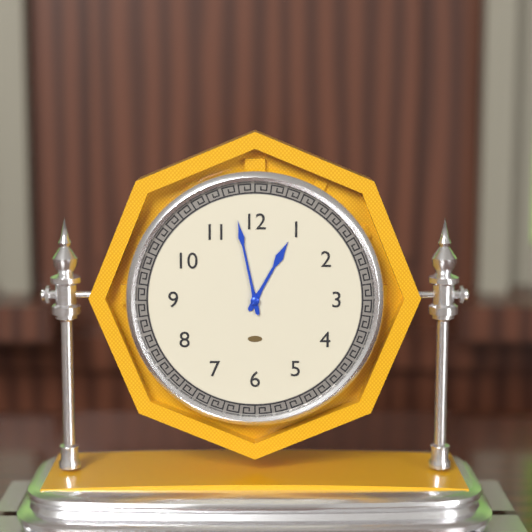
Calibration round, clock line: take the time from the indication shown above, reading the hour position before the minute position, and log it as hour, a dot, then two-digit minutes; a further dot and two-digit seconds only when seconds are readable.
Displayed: 12.58
